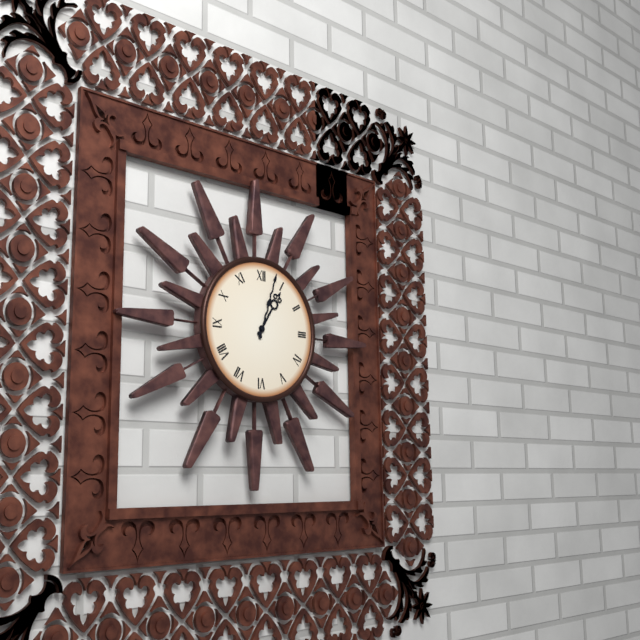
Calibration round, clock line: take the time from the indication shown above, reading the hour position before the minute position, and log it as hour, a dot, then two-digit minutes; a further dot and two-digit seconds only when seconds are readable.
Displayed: 1.03
